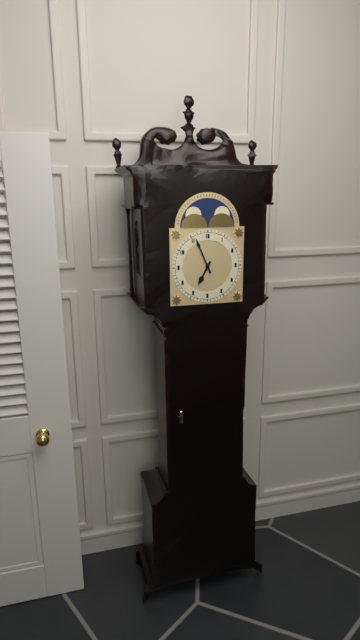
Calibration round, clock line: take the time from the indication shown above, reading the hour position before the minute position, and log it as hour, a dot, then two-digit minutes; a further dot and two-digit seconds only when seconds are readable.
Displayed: 6.56
